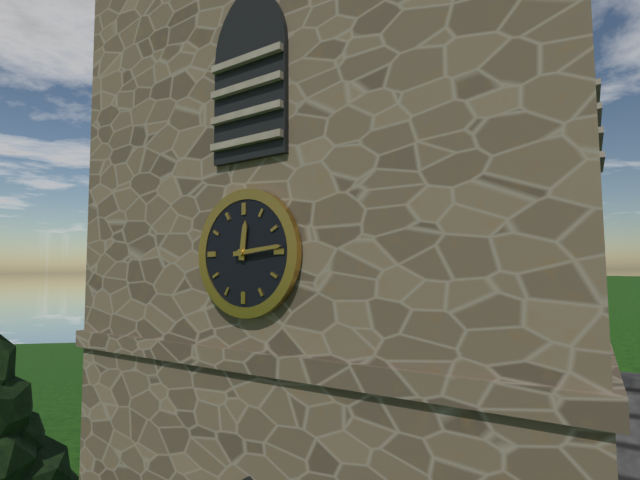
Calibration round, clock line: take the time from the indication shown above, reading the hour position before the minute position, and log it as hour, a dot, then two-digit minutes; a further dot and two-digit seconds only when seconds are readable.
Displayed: 12.14
